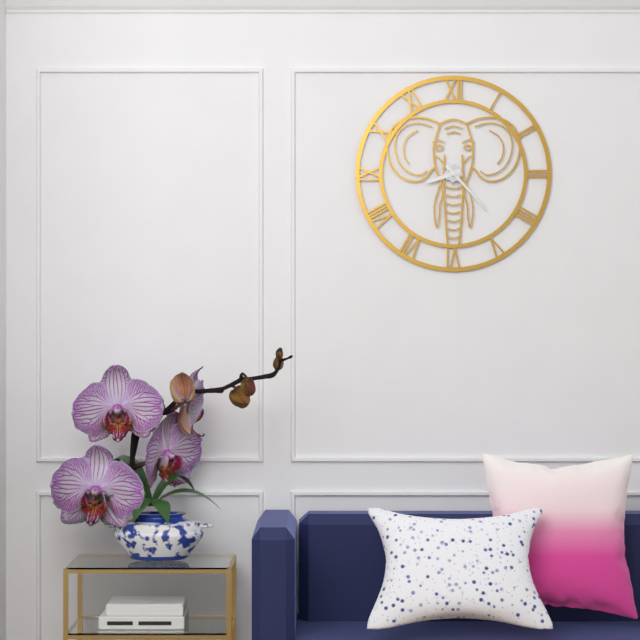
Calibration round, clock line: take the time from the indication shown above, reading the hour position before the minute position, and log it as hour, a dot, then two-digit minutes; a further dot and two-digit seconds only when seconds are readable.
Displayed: 8.23
